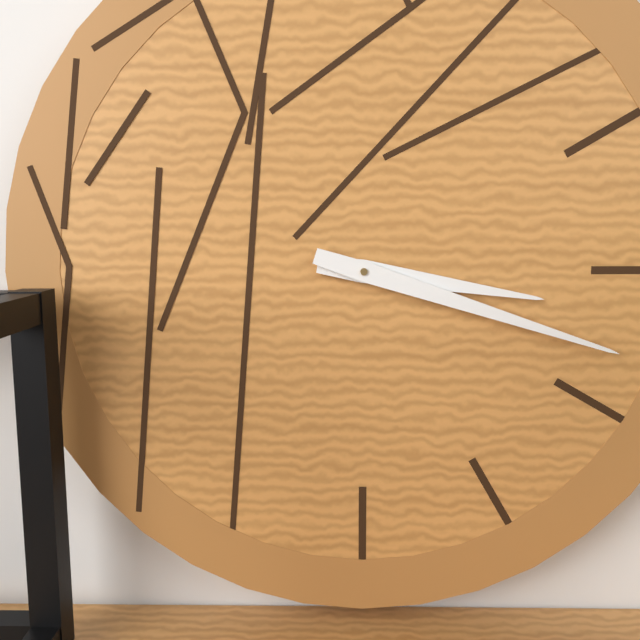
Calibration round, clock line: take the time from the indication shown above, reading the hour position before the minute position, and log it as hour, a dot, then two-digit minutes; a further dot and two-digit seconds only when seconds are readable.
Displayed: 3.18
